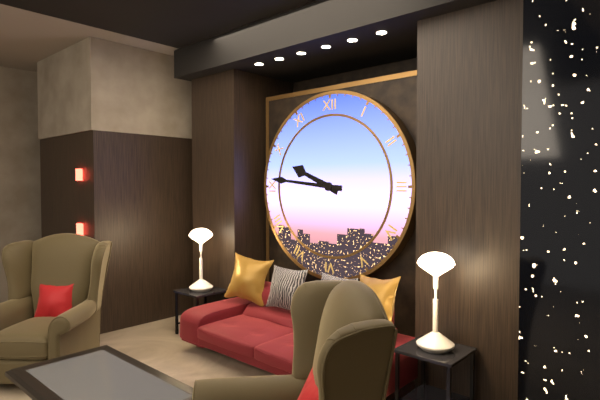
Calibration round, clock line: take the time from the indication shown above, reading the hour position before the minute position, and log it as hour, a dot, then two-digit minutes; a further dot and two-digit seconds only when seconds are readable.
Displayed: 9.46
